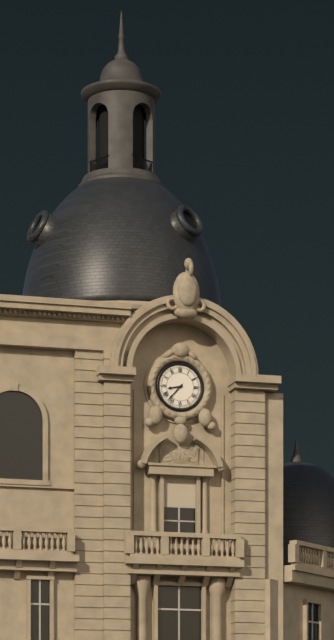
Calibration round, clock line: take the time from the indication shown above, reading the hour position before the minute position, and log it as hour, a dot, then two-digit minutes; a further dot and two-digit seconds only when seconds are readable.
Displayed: 8.37
